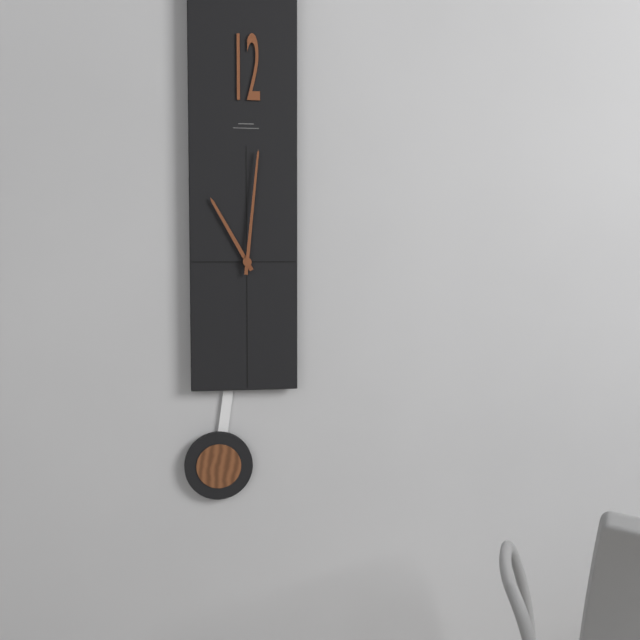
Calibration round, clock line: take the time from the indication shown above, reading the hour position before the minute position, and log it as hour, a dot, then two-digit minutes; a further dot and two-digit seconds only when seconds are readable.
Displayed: 11.01
